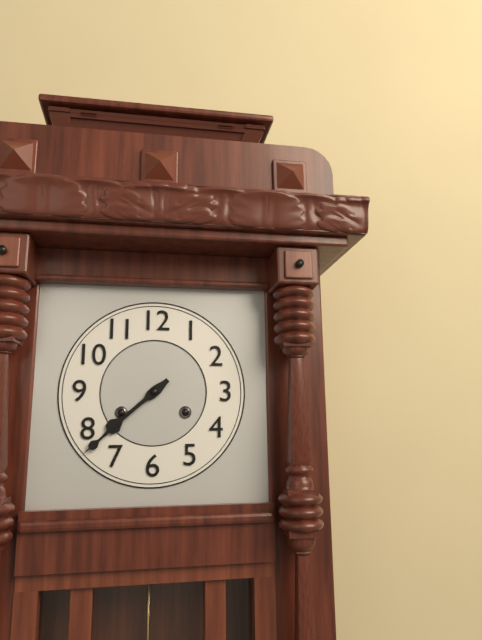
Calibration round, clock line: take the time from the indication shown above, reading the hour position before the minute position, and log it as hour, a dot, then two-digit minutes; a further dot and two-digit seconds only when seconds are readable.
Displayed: 7.38
